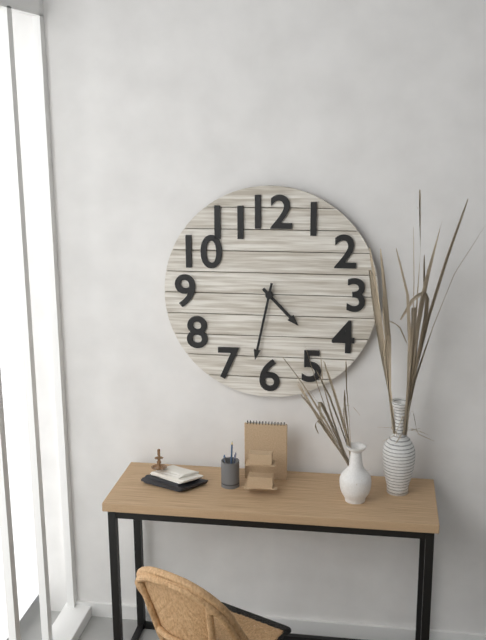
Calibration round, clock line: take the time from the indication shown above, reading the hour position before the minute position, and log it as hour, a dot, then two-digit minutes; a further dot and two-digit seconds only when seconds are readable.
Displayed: 4.32
